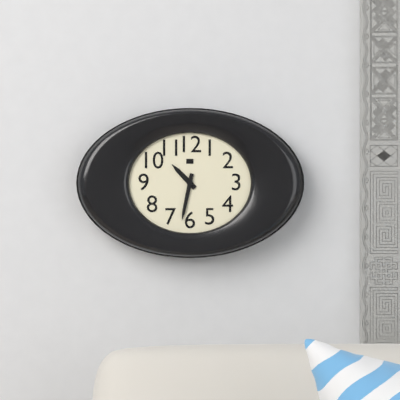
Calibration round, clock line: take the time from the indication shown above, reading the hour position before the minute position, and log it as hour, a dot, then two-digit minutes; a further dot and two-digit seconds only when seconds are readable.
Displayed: 10.32
